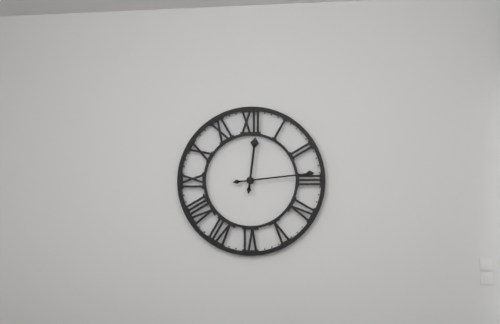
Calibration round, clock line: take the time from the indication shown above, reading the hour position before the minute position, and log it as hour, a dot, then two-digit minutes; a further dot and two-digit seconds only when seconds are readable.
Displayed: 12.14
